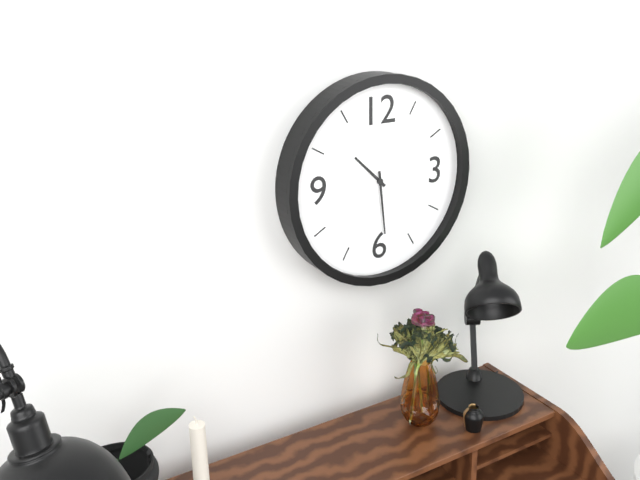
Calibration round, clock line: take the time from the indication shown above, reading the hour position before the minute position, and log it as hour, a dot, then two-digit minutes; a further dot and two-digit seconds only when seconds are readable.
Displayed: 10.29
